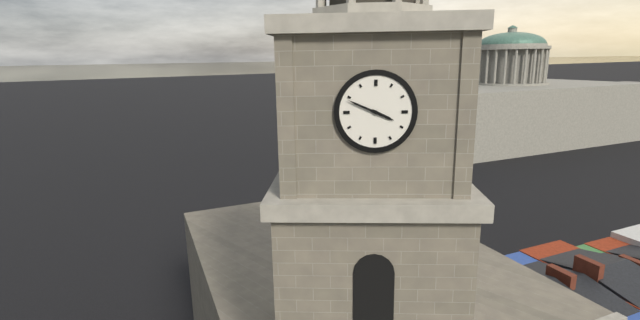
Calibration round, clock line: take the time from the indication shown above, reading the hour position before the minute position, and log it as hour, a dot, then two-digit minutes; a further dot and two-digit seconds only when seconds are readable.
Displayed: 3.49
